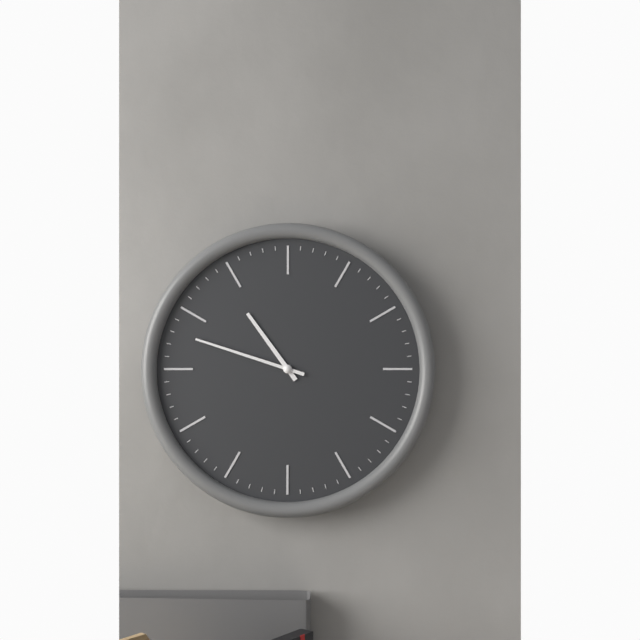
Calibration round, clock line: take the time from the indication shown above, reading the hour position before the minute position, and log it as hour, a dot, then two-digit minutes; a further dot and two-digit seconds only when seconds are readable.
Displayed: 10.48
